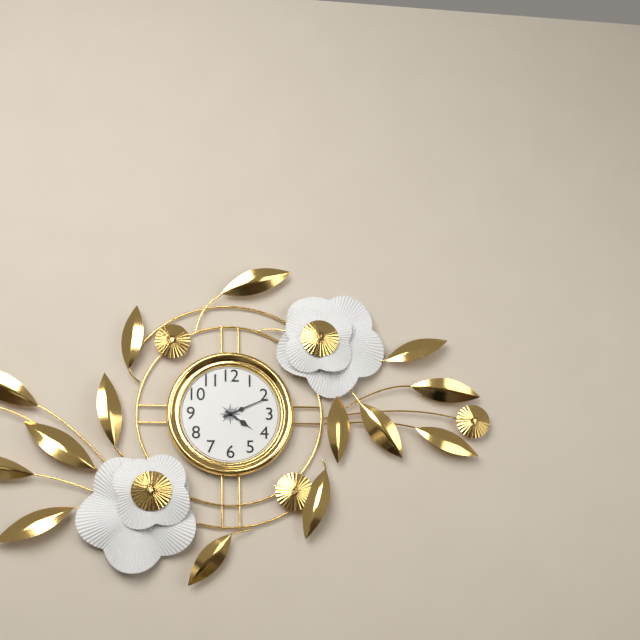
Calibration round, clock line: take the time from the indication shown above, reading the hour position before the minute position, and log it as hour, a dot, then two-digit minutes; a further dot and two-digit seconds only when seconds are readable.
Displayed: 4.11
